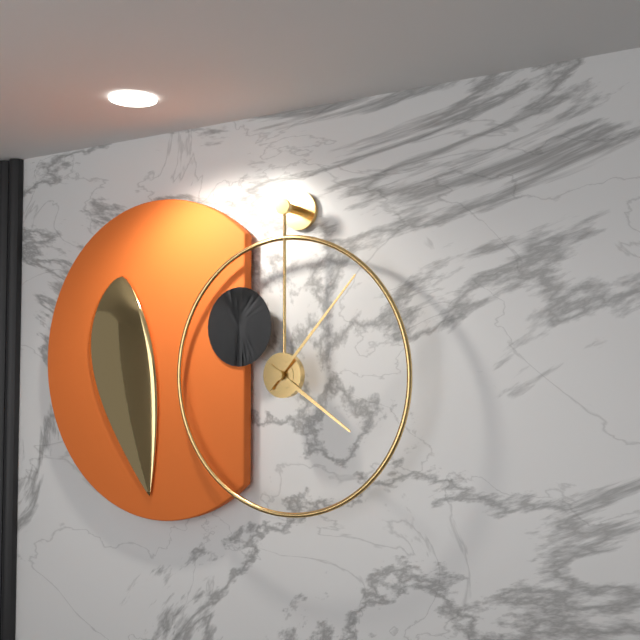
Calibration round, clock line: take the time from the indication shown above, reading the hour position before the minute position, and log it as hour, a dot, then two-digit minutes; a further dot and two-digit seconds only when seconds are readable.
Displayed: 4.07
